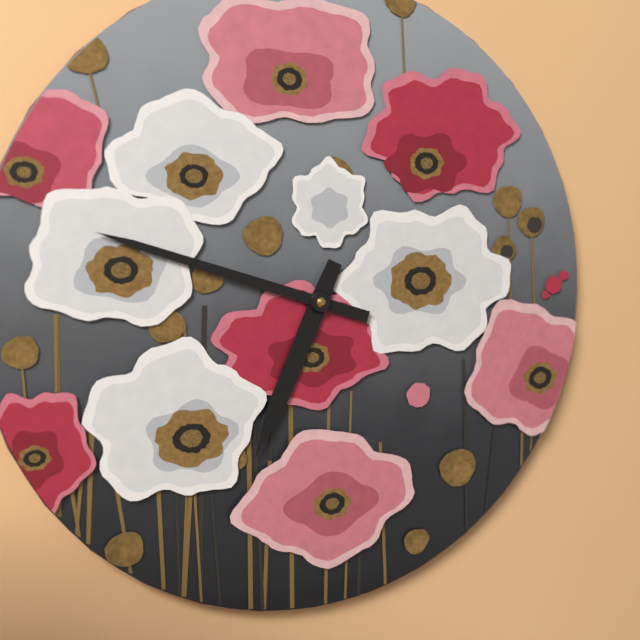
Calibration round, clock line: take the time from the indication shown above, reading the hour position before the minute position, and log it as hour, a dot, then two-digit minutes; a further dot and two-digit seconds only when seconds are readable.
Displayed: 6.48
